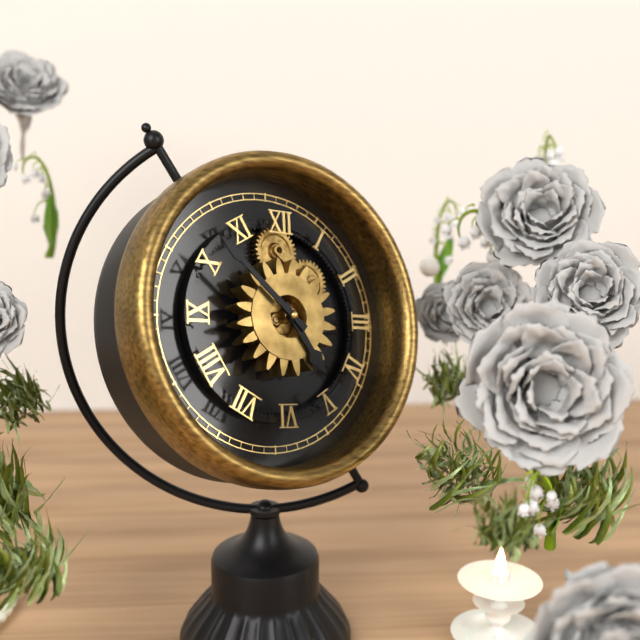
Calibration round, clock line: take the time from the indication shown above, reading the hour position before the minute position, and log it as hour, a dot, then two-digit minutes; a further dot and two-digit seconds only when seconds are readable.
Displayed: 4.52
